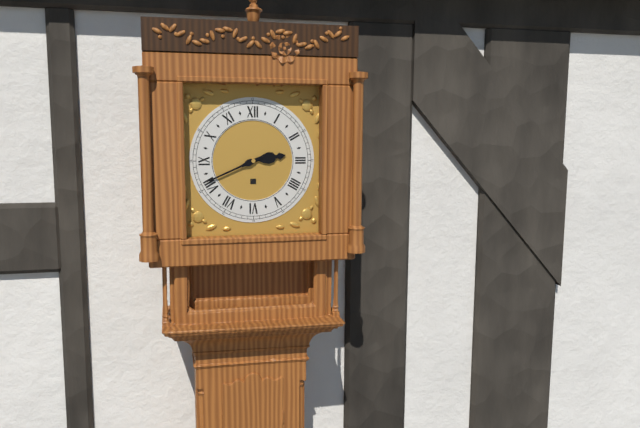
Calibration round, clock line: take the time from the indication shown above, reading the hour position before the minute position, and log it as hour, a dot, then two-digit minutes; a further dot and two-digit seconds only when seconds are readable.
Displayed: 2.41
